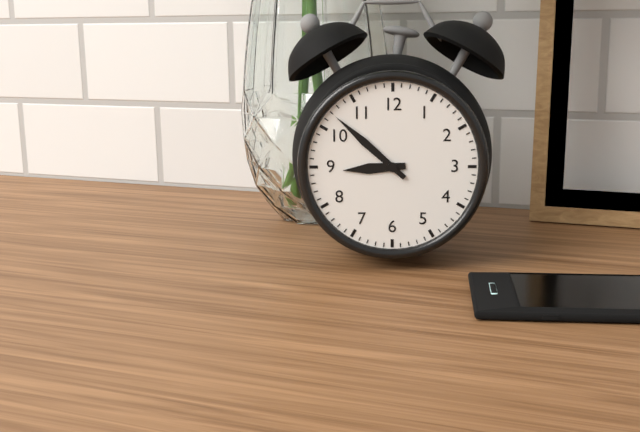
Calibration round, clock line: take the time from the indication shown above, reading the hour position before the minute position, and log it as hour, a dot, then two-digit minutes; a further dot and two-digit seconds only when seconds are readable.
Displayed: 8.52
